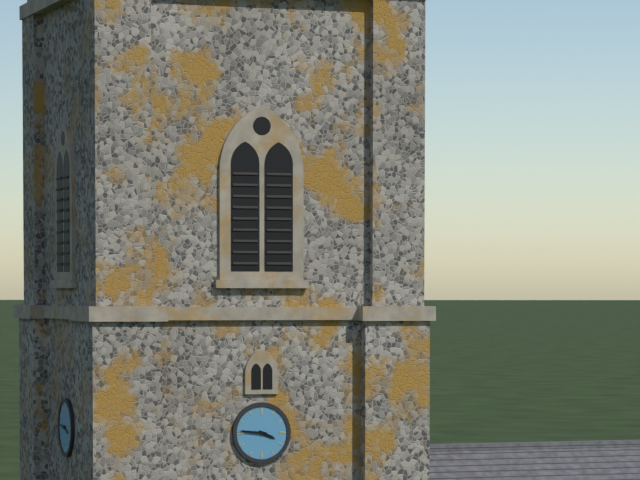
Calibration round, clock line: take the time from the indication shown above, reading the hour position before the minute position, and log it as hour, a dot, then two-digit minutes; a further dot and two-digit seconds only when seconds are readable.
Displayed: 3.46
